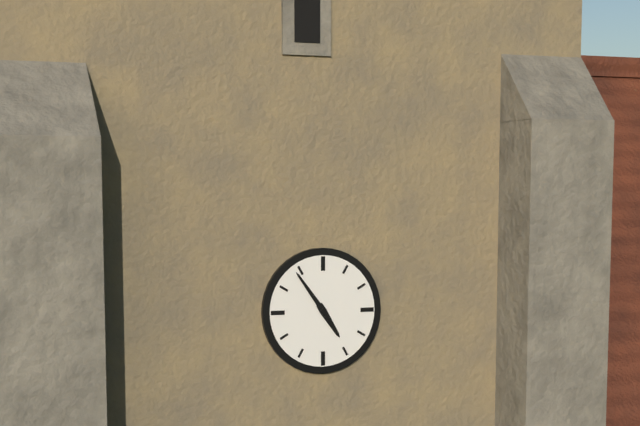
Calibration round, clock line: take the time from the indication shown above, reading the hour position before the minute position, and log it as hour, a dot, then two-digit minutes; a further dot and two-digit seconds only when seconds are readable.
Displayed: 4.54
